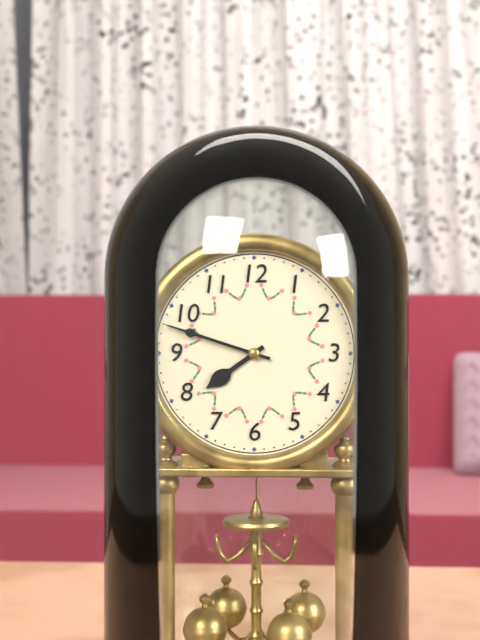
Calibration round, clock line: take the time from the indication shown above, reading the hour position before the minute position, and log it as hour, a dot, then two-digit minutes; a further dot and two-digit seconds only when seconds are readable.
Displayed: 7.48
